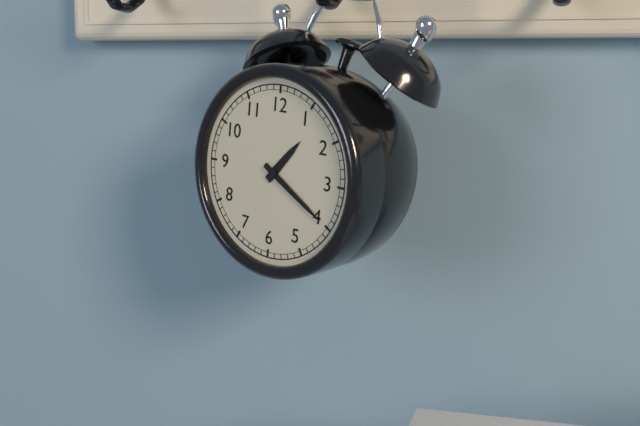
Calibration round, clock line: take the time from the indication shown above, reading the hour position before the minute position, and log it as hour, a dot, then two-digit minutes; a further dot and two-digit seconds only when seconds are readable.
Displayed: 1.20
